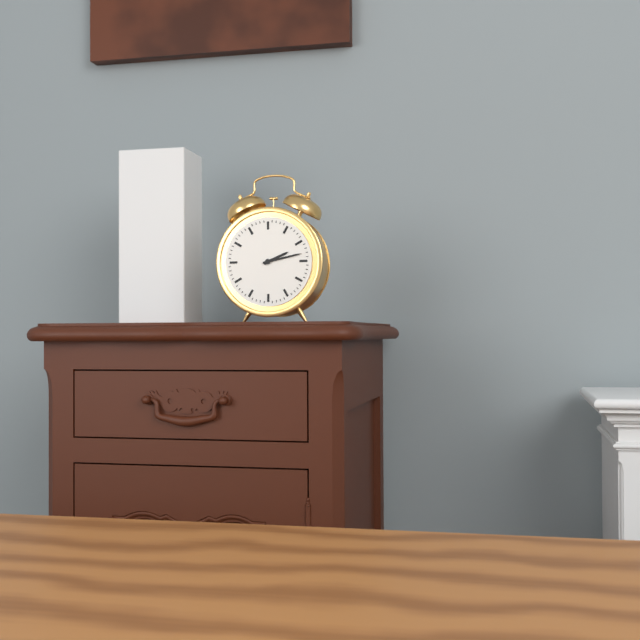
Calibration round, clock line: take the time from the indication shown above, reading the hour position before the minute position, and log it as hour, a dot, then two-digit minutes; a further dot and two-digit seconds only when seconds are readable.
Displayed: 2.13
